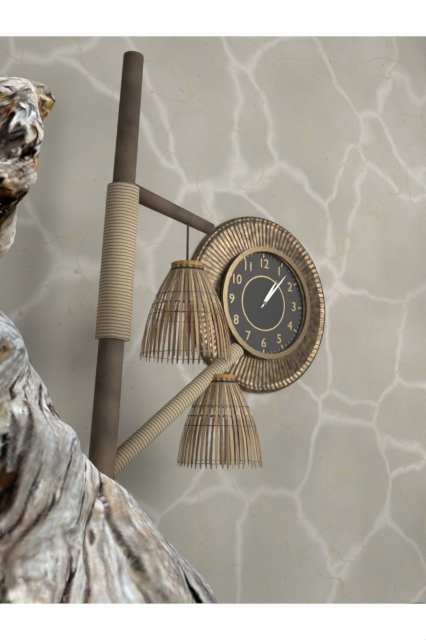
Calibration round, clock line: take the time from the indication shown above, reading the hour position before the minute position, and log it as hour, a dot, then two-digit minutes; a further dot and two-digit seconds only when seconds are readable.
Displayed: 1.07
